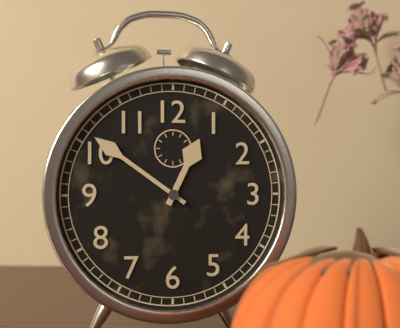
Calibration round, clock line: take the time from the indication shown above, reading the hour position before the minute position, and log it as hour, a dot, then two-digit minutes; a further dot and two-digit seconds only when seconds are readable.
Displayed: 12.51
